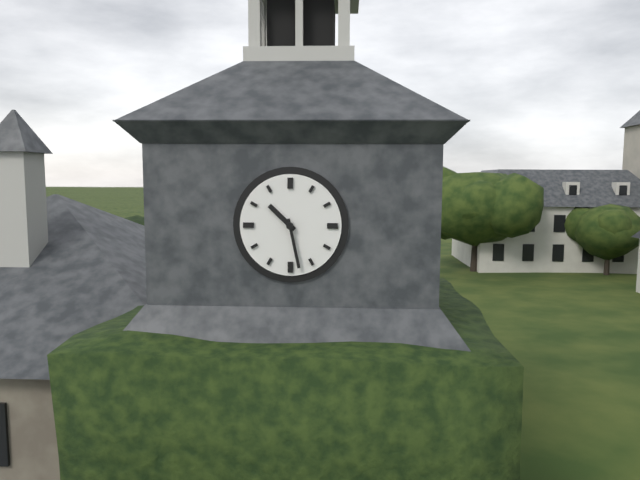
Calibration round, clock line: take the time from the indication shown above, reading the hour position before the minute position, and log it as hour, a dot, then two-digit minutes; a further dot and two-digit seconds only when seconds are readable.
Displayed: 10.28
